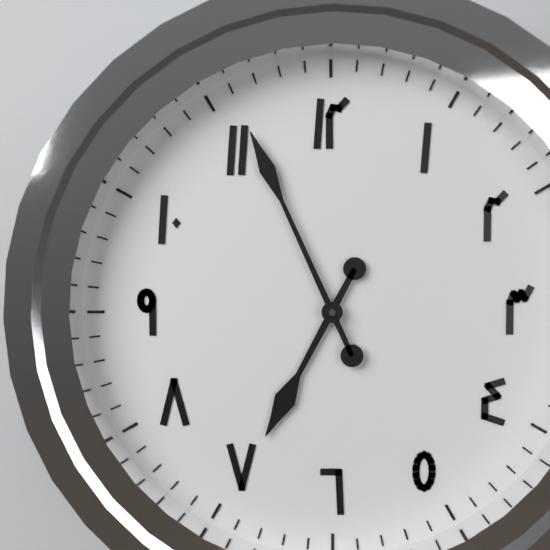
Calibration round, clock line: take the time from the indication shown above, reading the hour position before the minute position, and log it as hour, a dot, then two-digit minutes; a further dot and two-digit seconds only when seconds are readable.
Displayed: 6.56
